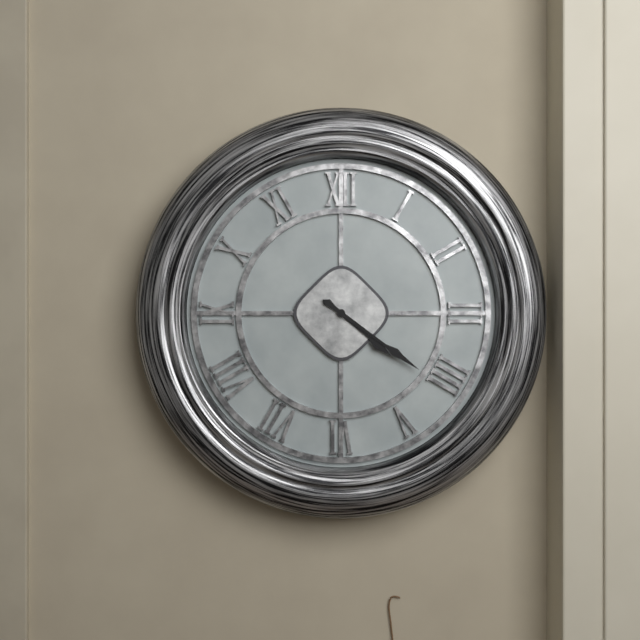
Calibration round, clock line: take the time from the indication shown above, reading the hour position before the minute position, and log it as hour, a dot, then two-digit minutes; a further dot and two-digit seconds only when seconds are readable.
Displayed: 4.21
